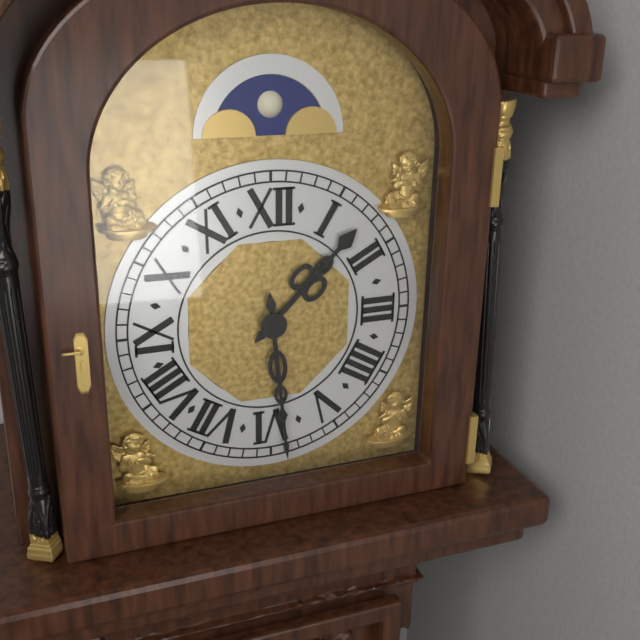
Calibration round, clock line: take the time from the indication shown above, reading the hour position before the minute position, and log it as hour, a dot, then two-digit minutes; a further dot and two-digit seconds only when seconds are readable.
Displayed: 1.29
